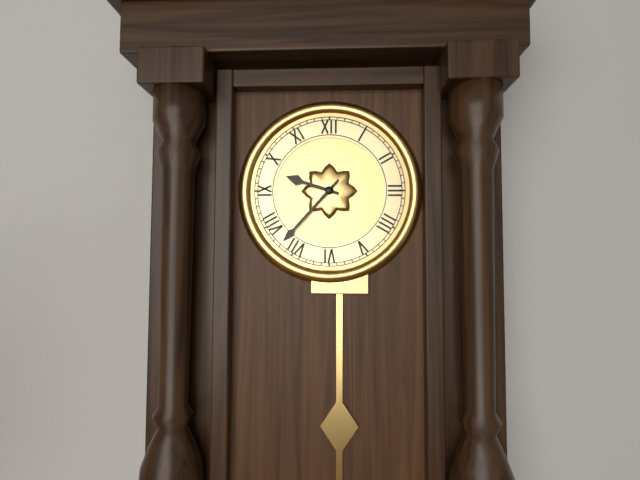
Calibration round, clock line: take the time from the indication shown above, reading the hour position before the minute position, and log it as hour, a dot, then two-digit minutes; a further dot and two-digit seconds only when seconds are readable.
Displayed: 9.37
